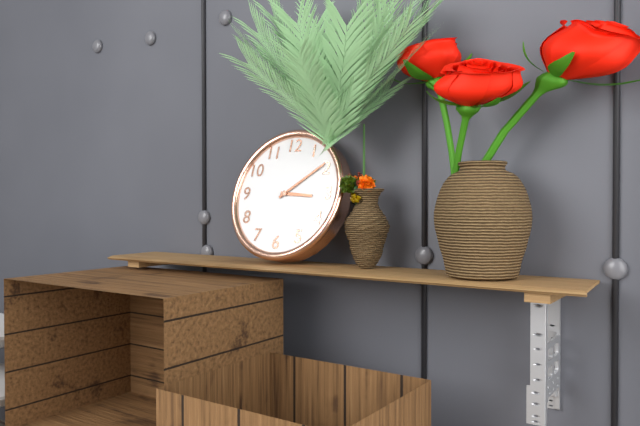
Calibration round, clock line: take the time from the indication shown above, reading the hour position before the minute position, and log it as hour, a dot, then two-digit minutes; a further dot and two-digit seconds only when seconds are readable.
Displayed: 3.09
